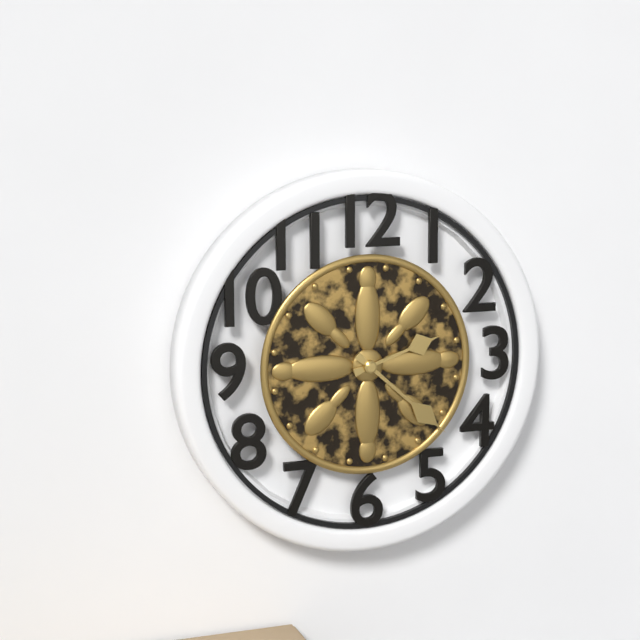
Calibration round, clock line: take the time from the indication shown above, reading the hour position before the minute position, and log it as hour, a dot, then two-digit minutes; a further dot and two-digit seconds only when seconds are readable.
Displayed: 2.22
